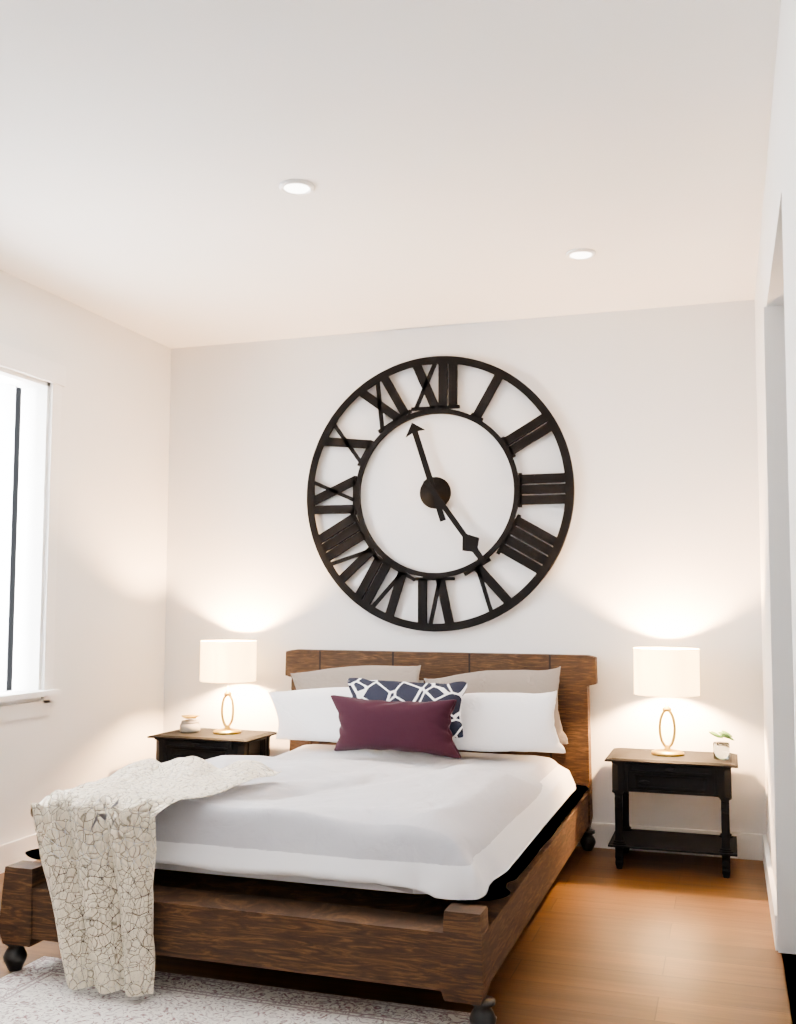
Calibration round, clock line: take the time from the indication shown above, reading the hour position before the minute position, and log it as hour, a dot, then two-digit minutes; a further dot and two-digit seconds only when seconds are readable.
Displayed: 11.24
